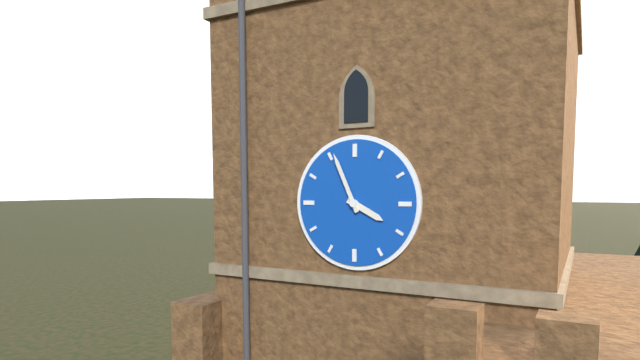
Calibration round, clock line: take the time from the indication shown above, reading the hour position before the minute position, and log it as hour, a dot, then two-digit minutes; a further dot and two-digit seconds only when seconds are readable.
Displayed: 3.56
